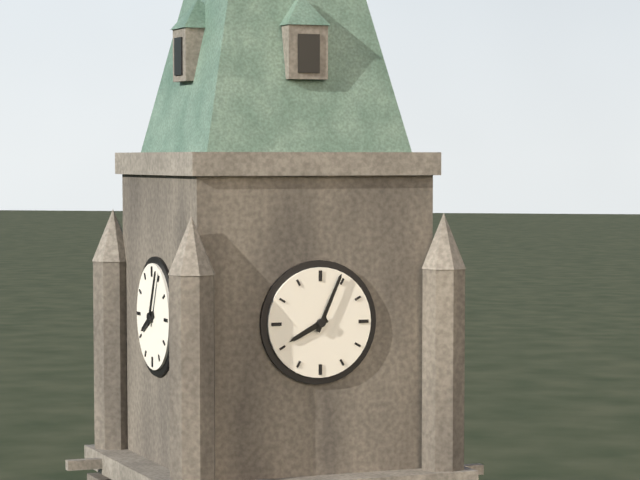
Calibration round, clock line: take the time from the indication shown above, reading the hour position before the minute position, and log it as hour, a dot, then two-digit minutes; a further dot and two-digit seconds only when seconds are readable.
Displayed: 8.04
